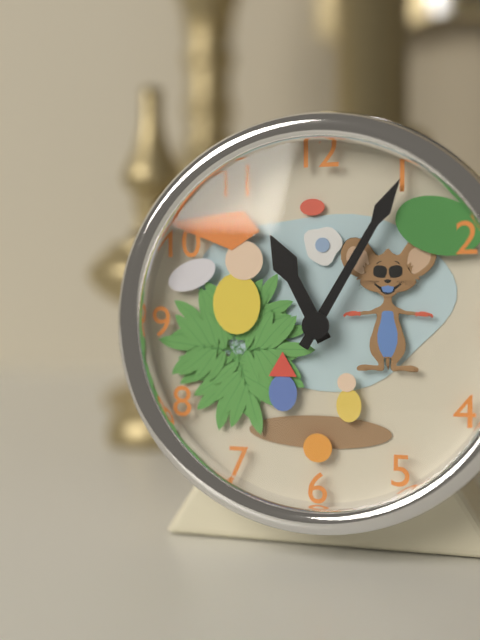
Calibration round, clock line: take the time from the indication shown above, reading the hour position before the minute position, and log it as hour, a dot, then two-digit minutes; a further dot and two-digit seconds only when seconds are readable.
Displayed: 11.05
